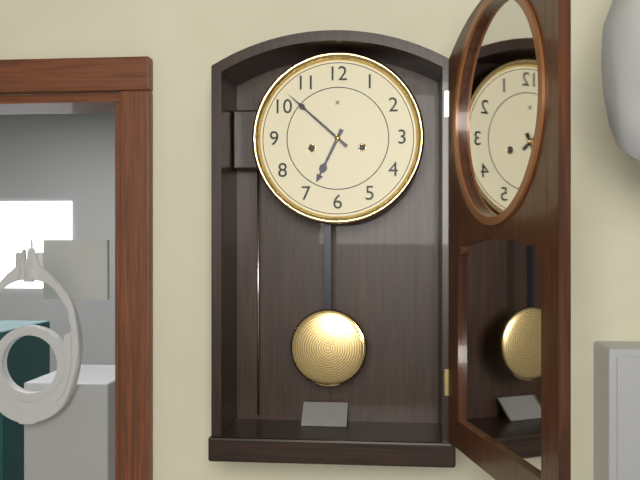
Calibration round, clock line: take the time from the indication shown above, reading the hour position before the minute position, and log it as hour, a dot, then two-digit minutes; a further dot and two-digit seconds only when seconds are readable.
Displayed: 6.52
